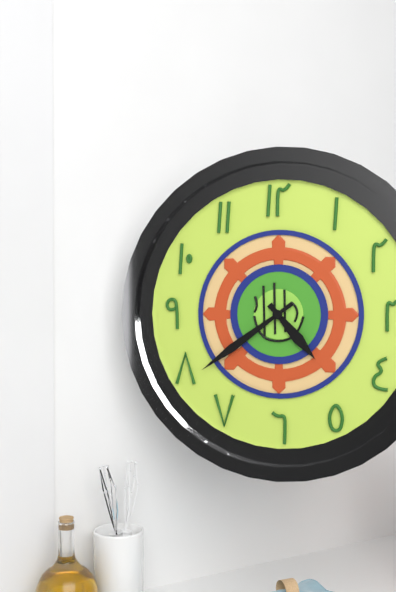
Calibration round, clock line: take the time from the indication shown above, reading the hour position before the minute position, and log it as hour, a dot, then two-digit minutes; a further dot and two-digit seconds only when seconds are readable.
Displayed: 4.39
